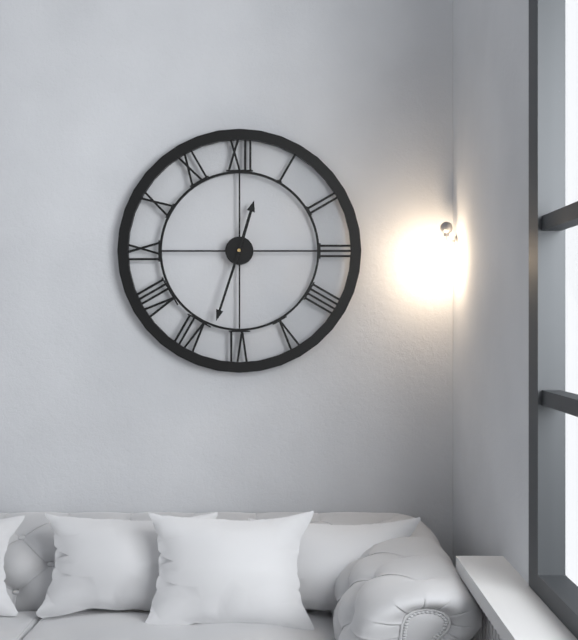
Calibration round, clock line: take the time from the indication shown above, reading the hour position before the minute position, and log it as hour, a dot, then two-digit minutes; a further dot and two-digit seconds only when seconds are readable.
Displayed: 12.33
